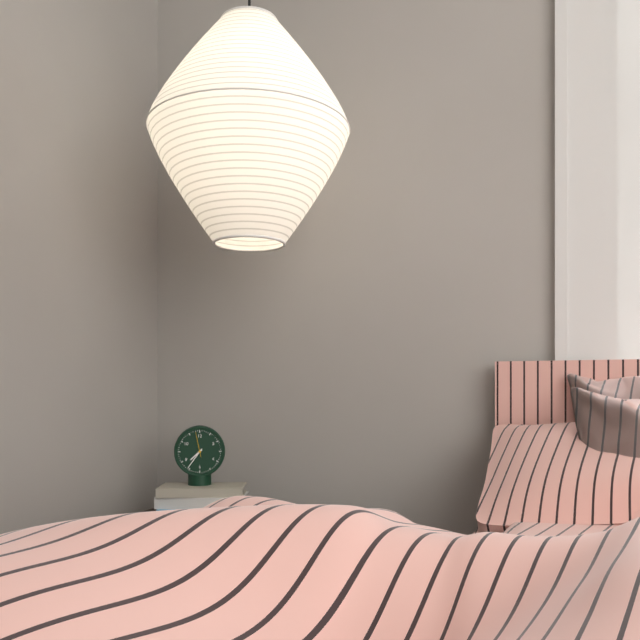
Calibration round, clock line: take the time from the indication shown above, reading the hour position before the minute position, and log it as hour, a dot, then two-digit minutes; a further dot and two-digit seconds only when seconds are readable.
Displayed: 7.36
